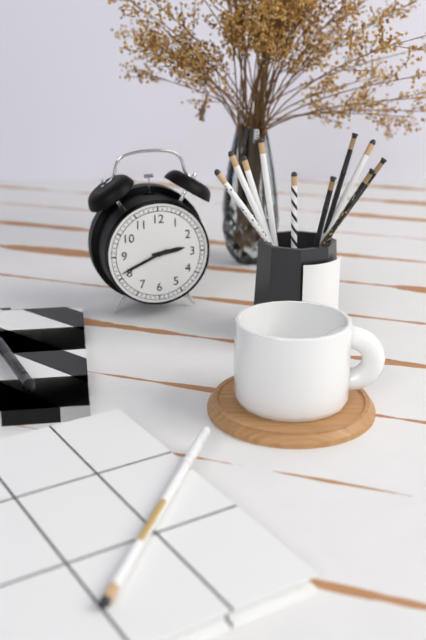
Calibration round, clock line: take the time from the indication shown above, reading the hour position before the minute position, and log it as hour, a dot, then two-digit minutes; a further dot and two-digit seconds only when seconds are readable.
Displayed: 2.41
